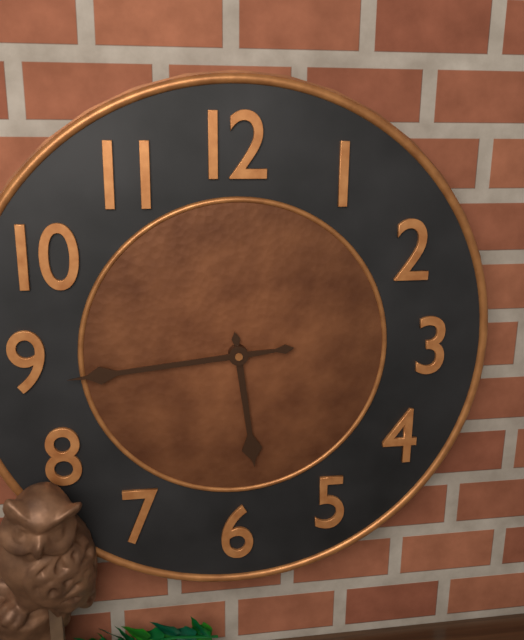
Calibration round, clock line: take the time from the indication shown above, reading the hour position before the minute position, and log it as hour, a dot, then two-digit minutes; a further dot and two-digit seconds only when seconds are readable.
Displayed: 5.44
